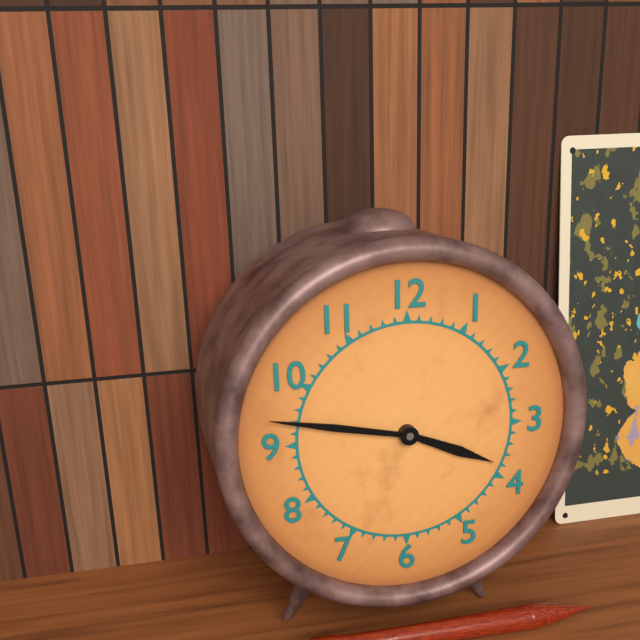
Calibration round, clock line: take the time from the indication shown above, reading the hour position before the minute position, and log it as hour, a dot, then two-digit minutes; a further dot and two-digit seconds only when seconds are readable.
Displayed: 3.47
